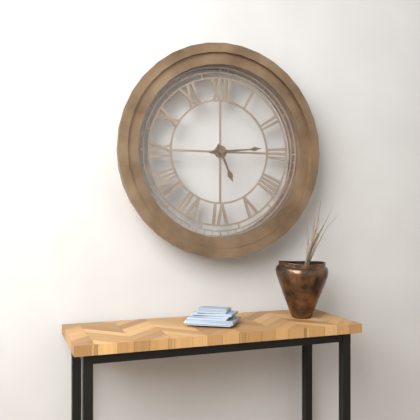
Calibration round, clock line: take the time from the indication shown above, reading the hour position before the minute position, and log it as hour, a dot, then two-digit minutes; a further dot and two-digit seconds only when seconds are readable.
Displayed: 5.14
